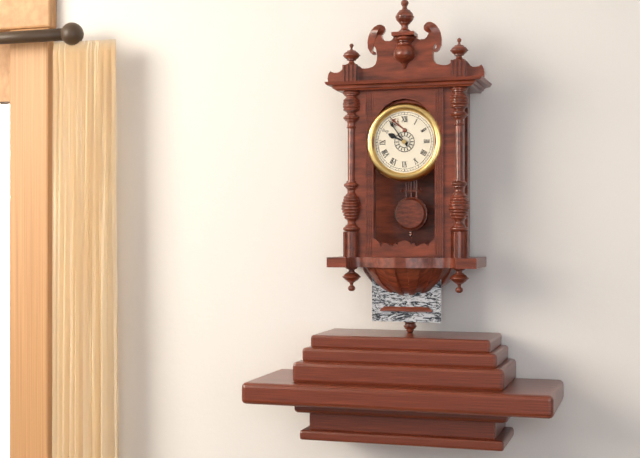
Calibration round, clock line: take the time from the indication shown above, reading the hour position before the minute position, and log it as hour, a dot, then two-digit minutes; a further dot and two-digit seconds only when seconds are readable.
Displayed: 9.54
